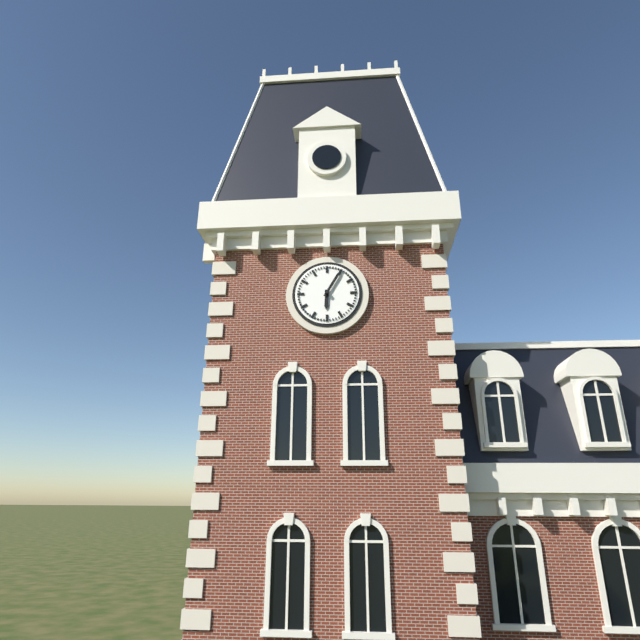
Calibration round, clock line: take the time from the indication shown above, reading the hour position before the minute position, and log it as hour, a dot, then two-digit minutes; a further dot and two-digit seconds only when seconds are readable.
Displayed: 6.05
